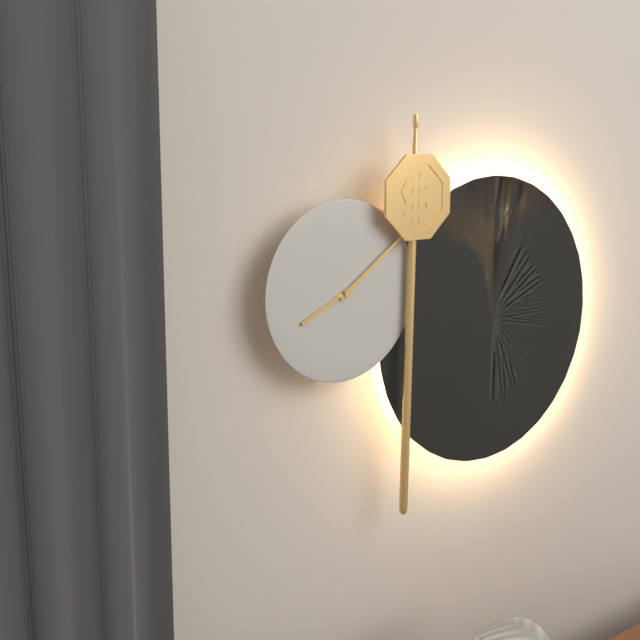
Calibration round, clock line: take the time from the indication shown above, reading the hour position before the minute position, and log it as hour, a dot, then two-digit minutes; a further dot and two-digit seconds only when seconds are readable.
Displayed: 8.09
